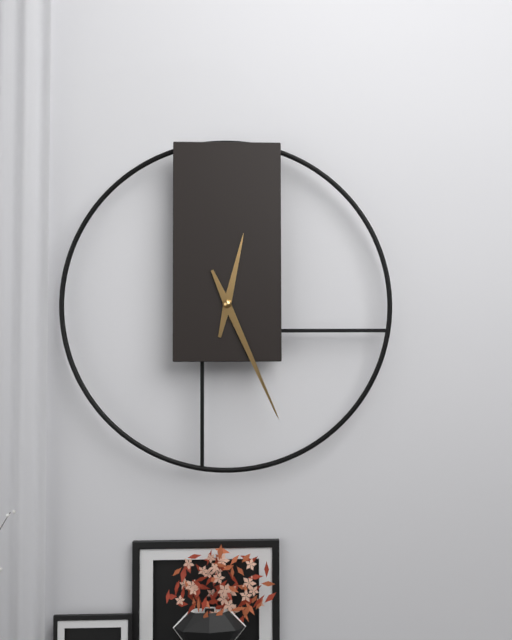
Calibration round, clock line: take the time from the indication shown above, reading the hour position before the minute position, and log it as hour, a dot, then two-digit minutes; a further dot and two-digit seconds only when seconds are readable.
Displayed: 12.26
